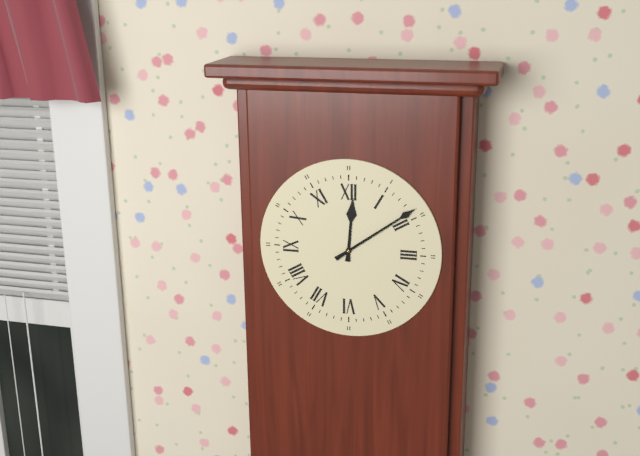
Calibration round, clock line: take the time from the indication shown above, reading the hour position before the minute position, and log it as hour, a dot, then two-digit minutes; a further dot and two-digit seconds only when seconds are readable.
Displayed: 12.09
